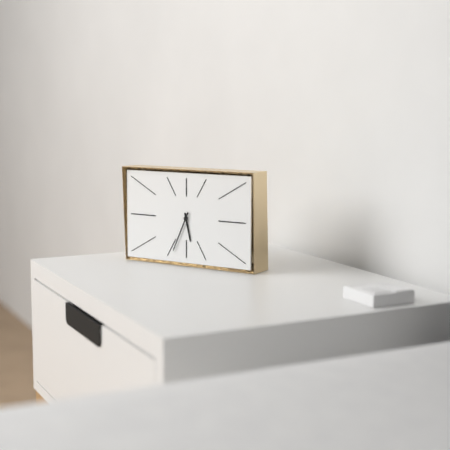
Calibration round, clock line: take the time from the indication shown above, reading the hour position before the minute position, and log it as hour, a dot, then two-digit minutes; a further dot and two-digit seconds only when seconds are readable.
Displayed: 5.34
